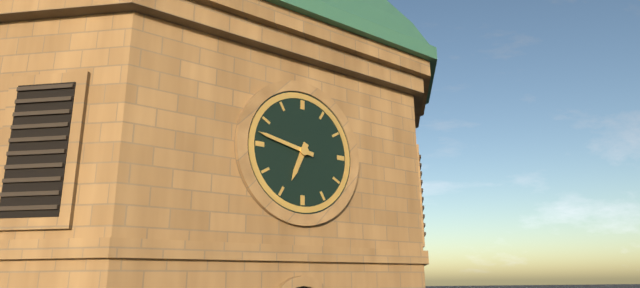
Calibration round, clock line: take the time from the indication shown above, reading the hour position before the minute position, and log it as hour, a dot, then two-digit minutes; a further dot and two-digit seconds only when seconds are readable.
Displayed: 6.47
